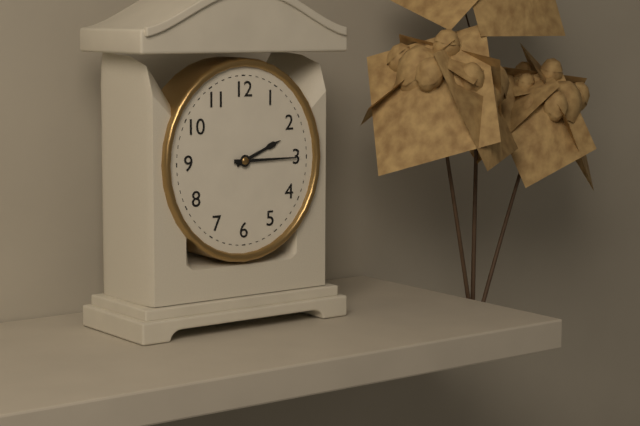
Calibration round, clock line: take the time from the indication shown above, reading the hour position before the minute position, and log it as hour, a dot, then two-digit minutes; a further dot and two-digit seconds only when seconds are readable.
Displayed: 2.15
